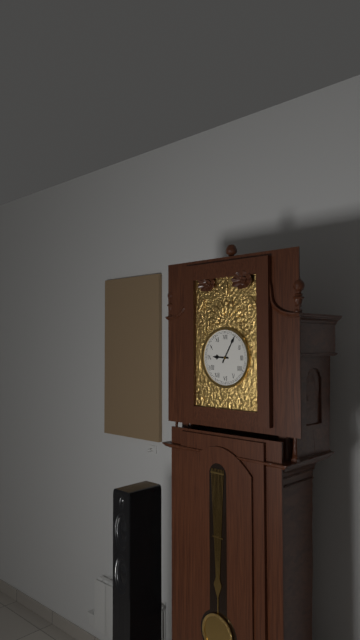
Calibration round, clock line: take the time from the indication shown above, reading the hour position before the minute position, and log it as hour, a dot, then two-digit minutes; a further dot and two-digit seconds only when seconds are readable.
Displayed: 9.05
